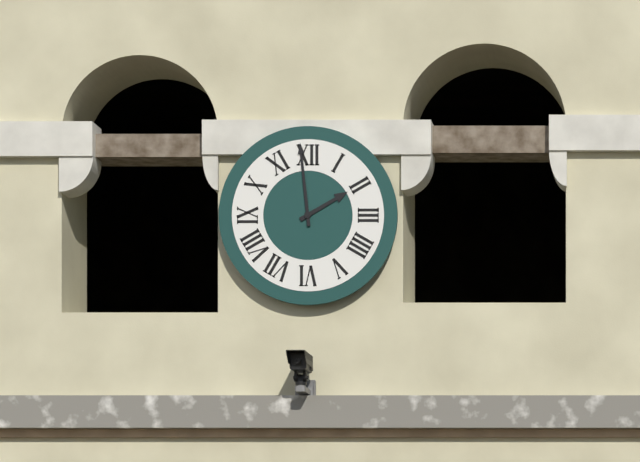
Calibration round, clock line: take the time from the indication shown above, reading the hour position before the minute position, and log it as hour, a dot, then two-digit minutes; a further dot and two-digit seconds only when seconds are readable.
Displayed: 1.59
